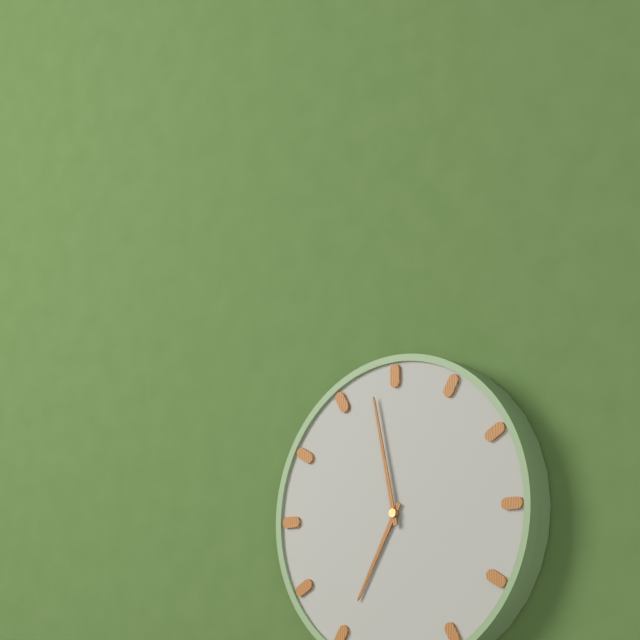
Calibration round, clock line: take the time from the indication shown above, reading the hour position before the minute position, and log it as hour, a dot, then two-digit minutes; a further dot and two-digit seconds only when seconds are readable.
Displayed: 6.58
